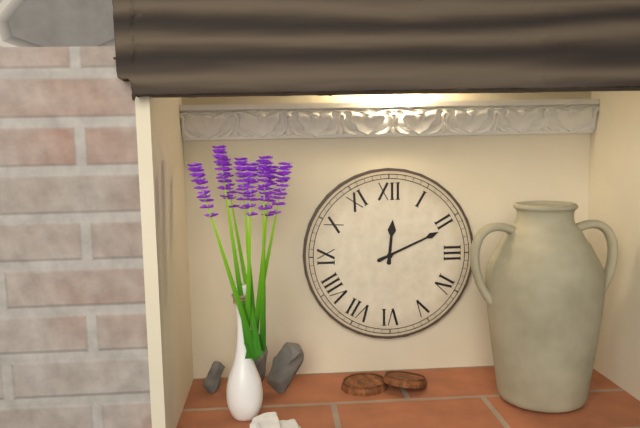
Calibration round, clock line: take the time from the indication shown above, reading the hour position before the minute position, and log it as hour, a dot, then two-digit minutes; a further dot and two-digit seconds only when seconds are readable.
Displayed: 12.11
